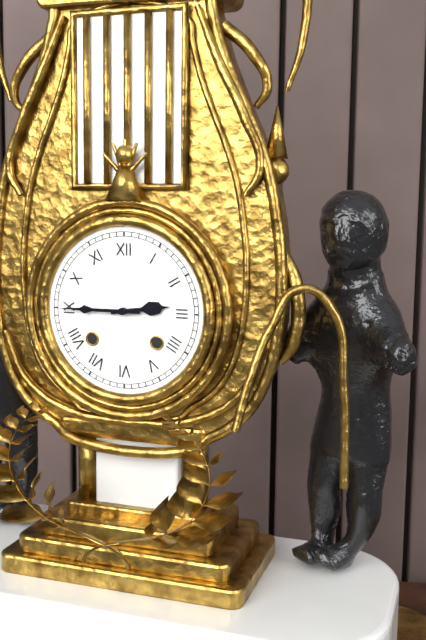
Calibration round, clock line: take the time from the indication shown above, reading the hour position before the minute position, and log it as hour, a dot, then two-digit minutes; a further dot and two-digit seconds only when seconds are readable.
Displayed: 2.45
